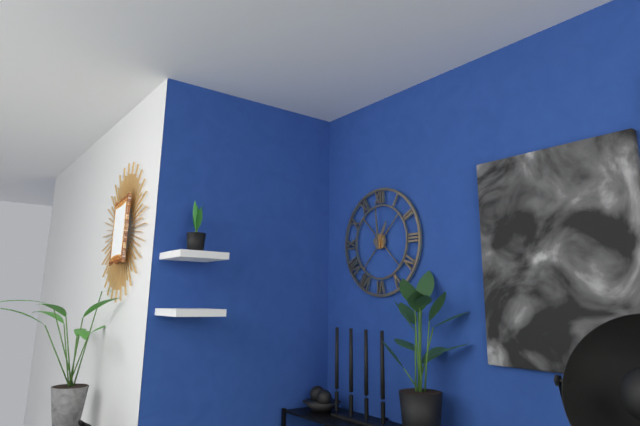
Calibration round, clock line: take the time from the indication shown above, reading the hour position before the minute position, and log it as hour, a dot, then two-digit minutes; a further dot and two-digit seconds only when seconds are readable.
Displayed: 12.59
